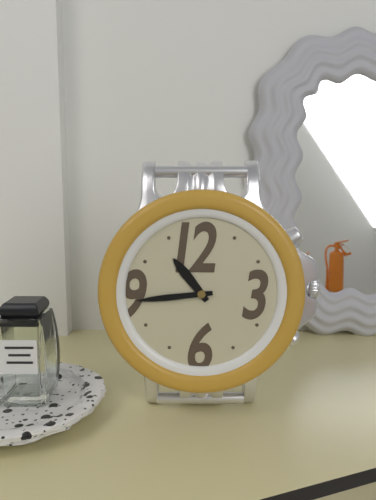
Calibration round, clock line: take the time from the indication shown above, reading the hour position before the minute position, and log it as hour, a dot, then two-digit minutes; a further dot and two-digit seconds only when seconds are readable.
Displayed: 10.44
